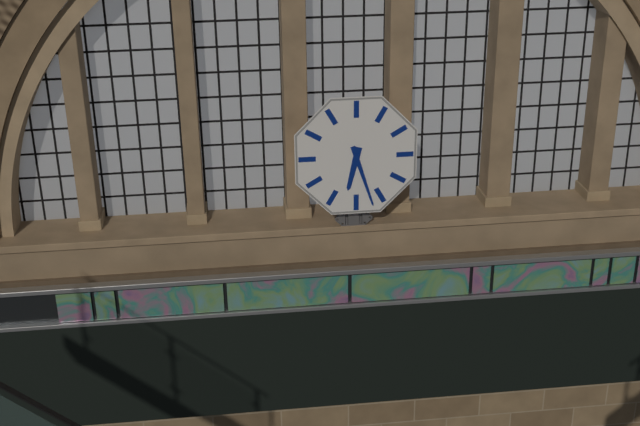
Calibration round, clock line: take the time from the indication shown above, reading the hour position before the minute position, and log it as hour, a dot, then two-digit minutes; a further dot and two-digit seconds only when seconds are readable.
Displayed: 6.27
